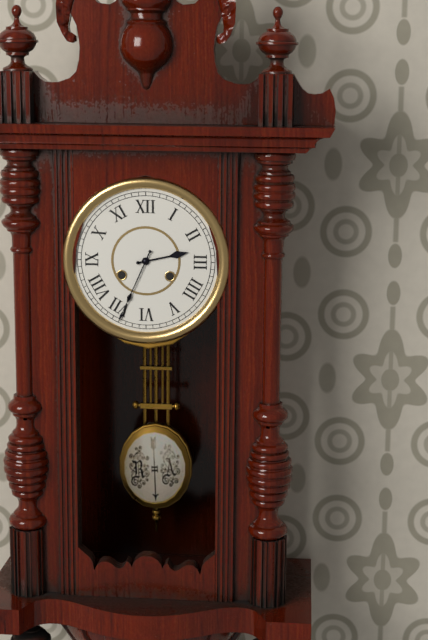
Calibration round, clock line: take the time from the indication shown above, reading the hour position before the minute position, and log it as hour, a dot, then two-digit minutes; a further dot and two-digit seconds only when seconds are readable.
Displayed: 2.34
